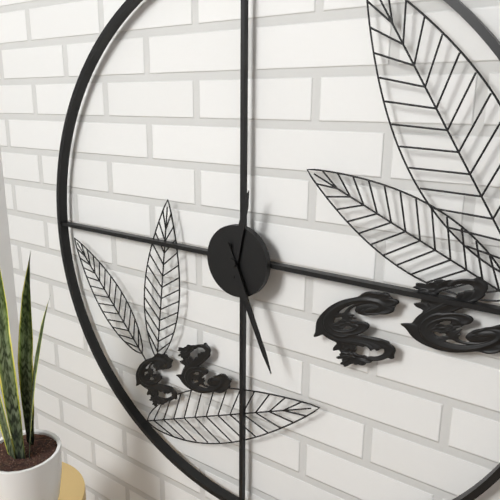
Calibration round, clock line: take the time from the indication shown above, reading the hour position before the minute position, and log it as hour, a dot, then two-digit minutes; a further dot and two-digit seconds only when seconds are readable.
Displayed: 12.26
